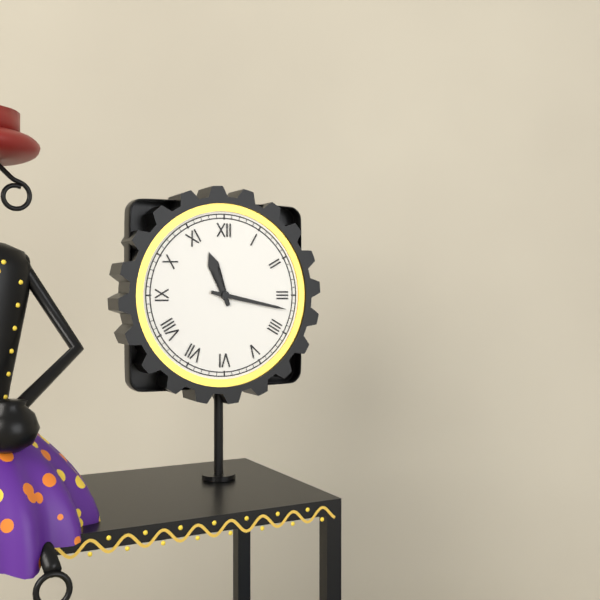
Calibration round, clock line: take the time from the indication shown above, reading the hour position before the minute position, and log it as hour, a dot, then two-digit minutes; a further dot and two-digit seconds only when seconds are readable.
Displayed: 11.17
